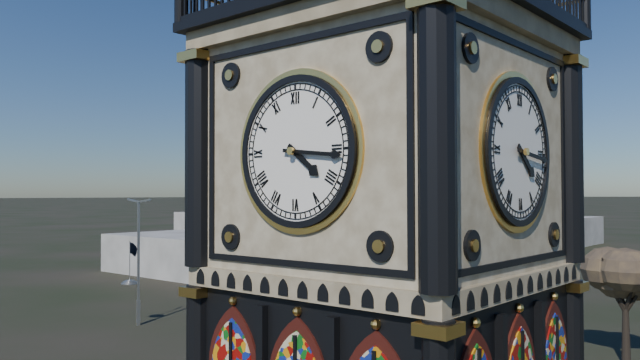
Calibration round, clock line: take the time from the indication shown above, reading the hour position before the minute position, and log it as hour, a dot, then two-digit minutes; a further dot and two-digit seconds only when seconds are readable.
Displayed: 4.16
